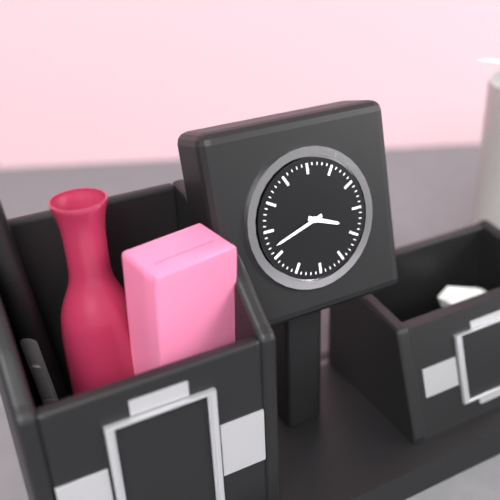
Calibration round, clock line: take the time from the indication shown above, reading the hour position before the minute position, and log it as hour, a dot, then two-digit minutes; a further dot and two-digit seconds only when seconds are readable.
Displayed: 3.42
